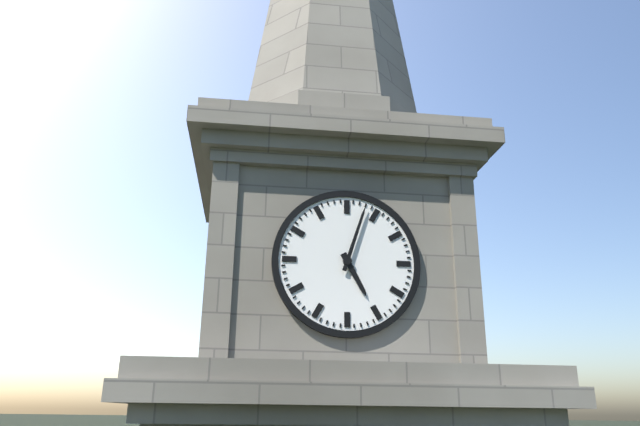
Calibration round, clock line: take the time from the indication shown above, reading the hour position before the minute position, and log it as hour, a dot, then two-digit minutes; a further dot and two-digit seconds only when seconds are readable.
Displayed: 5.03
